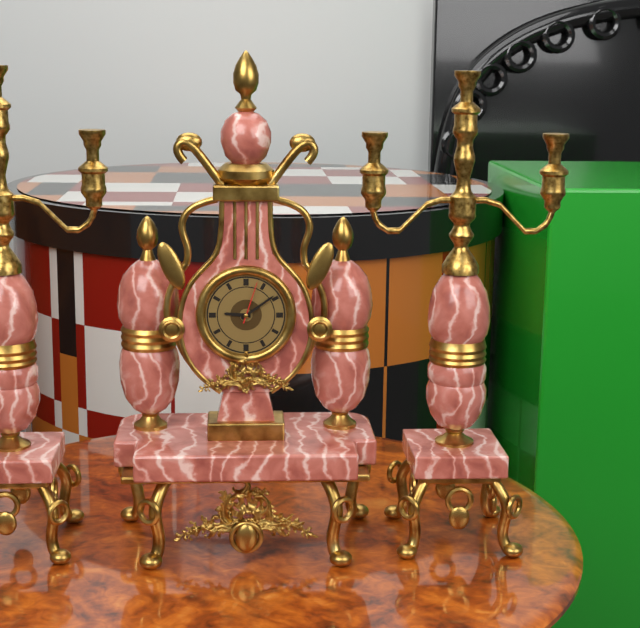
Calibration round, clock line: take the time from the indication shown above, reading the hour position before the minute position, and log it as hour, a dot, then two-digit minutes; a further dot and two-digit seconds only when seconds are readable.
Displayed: 9.09
